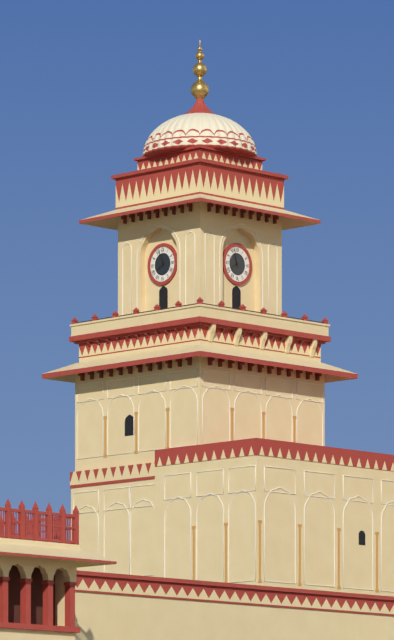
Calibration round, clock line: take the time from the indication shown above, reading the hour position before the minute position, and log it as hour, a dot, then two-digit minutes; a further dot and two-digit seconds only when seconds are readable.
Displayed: 7.57
